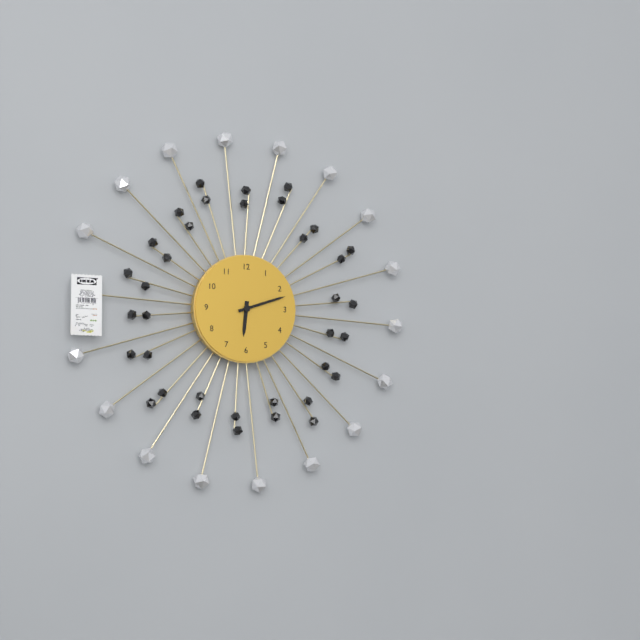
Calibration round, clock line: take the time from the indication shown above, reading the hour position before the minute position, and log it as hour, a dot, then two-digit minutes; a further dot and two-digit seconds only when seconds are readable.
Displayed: 6.12
